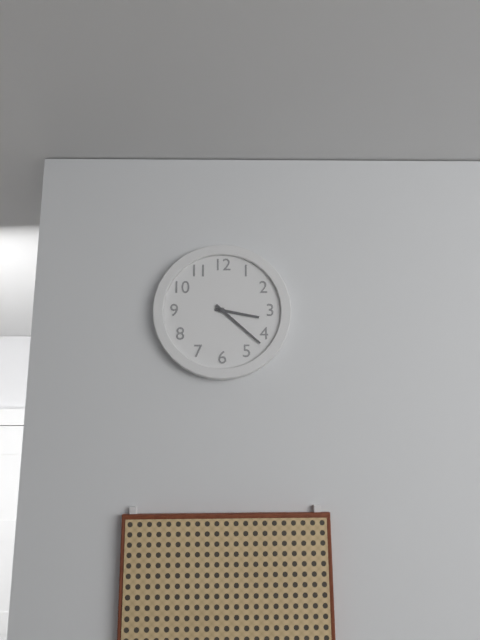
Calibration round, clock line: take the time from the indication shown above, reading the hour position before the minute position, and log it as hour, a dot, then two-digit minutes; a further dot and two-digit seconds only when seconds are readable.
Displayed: 3.22
